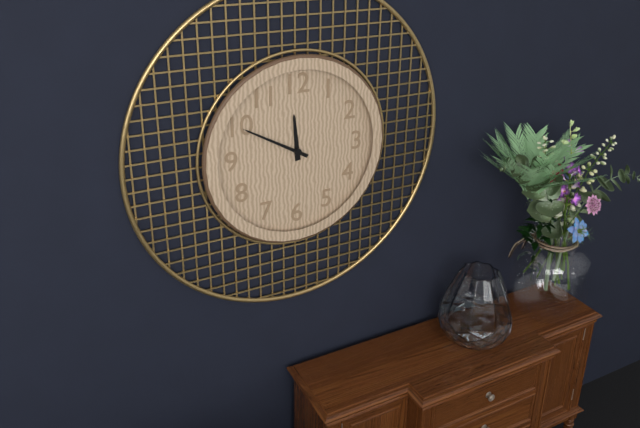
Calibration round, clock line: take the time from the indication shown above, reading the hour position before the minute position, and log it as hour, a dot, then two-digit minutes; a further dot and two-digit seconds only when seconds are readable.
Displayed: 11.50
